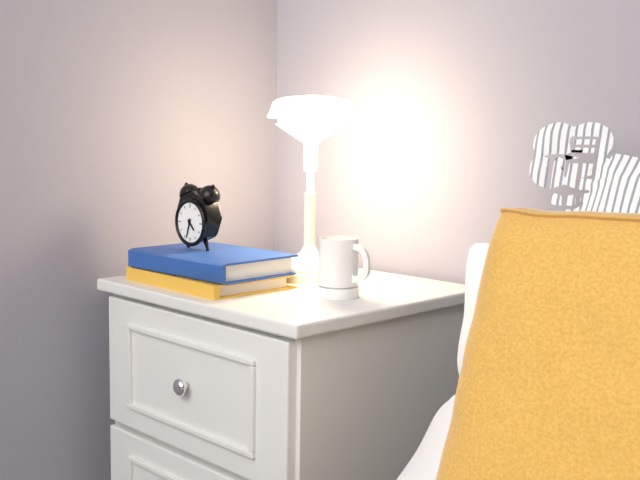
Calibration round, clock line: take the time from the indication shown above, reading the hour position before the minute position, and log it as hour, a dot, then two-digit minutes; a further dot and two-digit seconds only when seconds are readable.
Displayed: 4.33
